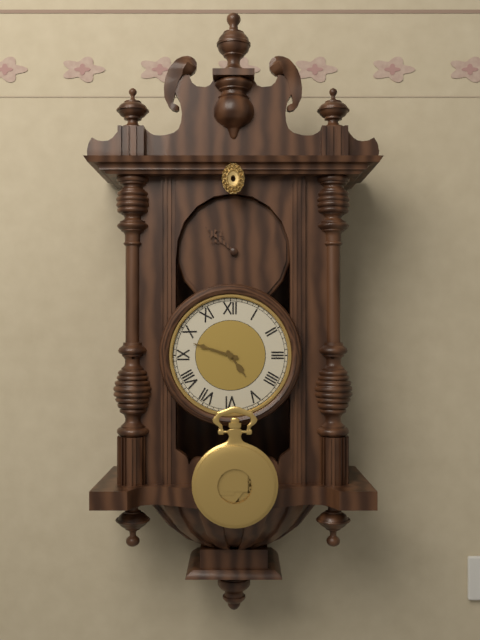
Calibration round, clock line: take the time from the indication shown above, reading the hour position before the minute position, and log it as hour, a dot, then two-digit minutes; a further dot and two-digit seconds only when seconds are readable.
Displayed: 4.48
